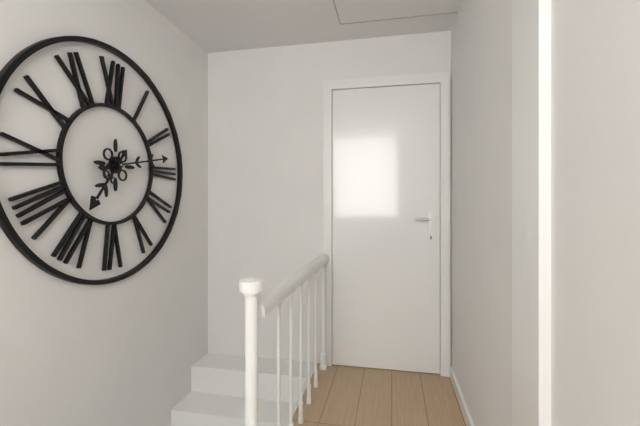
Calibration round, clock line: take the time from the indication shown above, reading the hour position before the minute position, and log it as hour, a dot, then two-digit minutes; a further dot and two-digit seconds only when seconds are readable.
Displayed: 7.13
